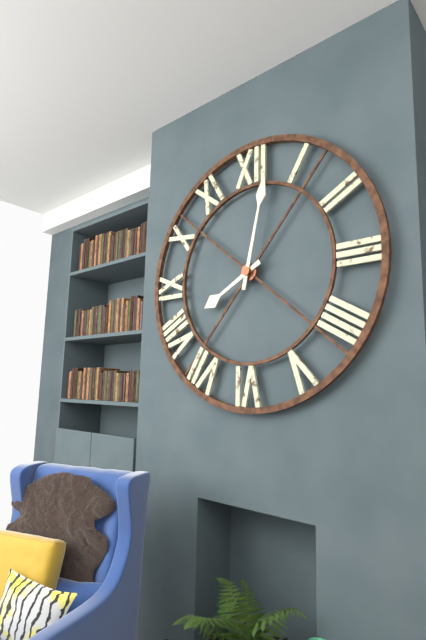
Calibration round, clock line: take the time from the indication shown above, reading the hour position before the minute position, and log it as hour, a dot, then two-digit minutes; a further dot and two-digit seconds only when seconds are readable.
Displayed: 8.02
